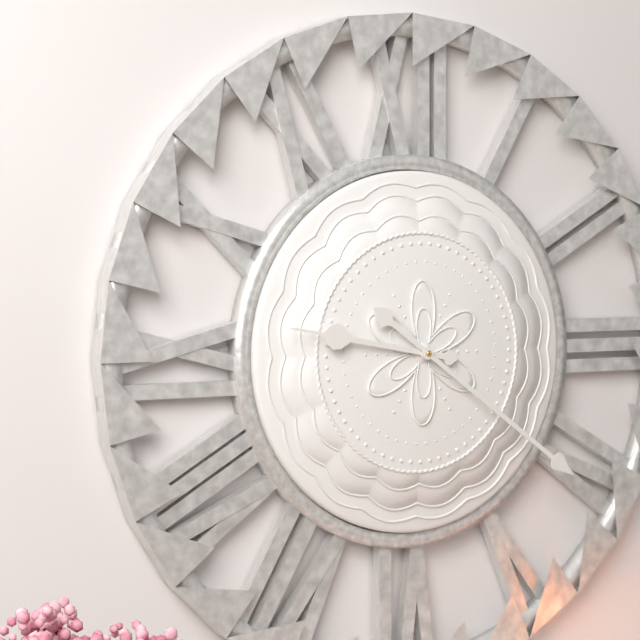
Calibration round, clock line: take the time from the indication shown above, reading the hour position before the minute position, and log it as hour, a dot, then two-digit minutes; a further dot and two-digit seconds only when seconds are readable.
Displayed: 9.21
